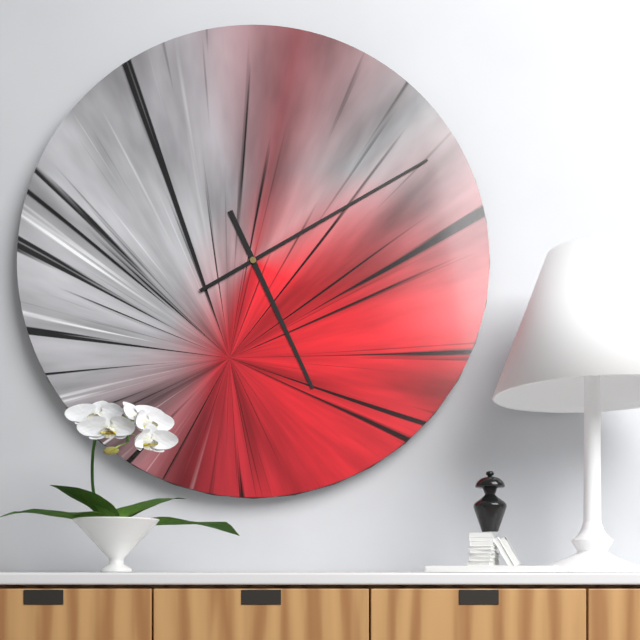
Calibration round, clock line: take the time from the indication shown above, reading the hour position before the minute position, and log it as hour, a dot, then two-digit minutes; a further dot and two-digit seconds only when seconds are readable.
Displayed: 5.10
